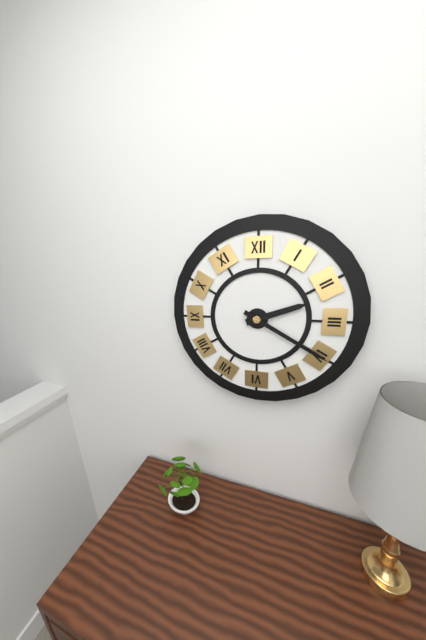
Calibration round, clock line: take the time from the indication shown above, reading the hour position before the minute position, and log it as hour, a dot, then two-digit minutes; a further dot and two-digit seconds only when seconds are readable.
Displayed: 2.20
